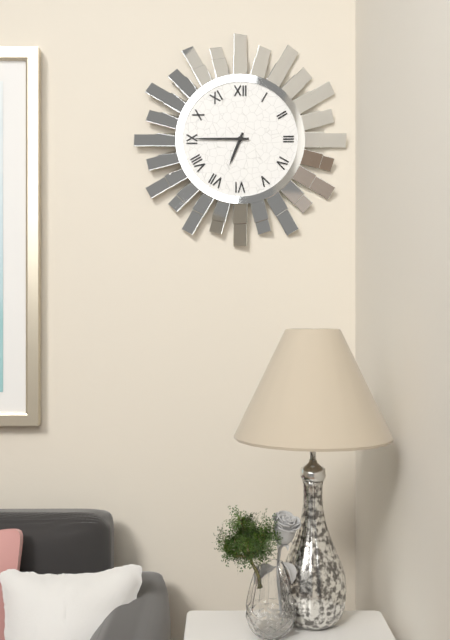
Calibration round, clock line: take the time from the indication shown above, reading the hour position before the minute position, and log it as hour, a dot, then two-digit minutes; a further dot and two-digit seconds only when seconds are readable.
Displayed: 6.45
